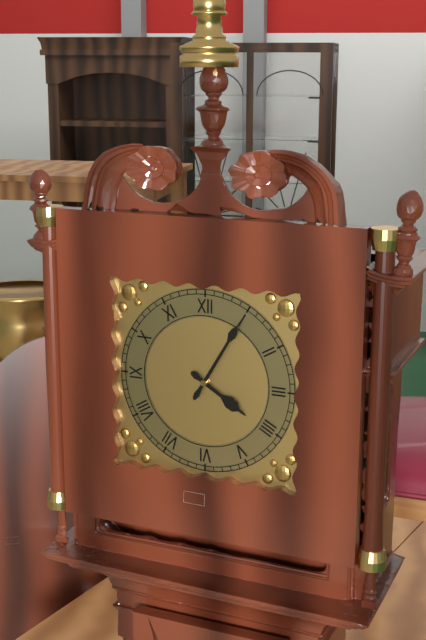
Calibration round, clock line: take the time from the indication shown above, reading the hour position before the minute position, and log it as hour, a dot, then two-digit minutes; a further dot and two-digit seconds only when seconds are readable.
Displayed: 4.05
